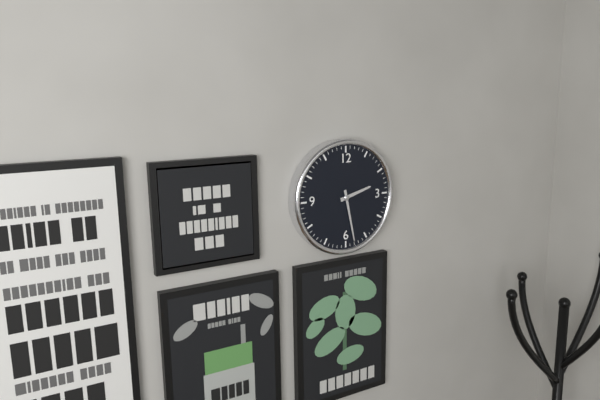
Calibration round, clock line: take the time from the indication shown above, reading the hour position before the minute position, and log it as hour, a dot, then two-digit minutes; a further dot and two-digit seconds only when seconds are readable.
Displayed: 2.28
